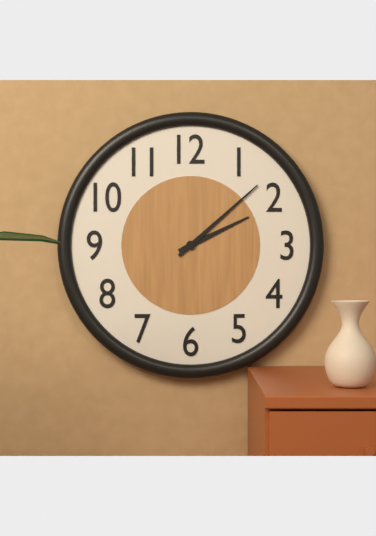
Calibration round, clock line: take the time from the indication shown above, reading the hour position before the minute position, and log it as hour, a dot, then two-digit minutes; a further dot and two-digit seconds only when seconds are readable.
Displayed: 2.08
